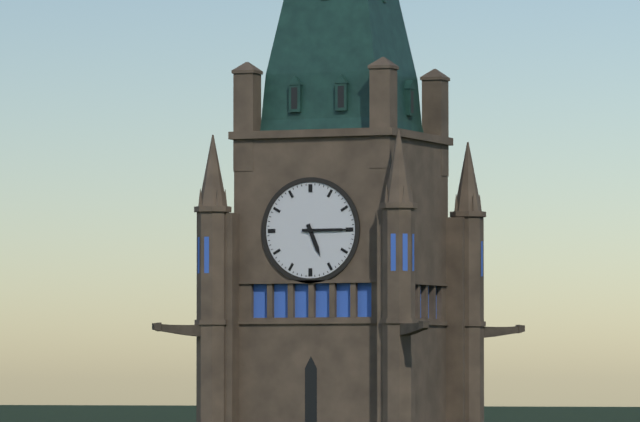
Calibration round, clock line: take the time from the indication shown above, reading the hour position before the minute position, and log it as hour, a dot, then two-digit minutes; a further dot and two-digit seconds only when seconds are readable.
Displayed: 5.15
